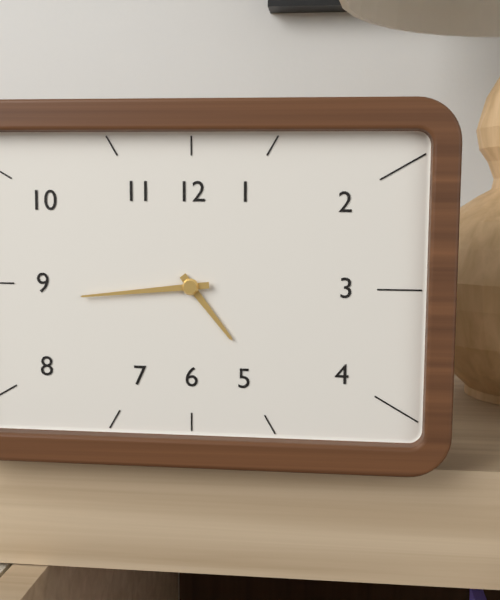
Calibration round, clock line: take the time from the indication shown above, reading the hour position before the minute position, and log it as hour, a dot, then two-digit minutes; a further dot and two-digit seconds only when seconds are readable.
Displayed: 4.44
